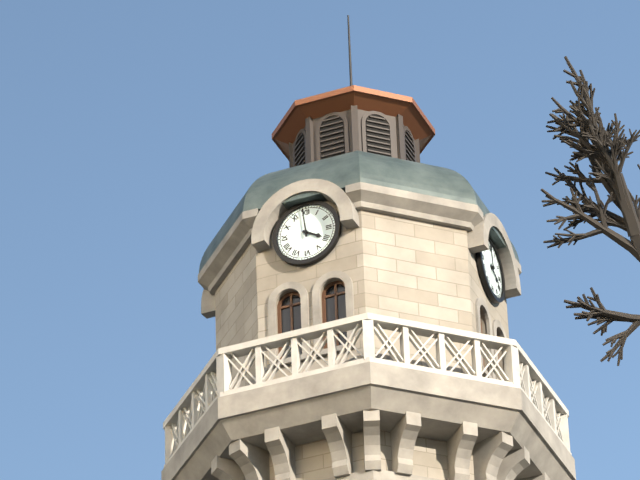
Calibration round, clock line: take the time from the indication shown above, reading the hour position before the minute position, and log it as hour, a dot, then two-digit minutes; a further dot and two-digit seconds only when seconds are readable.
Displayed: 3.59
